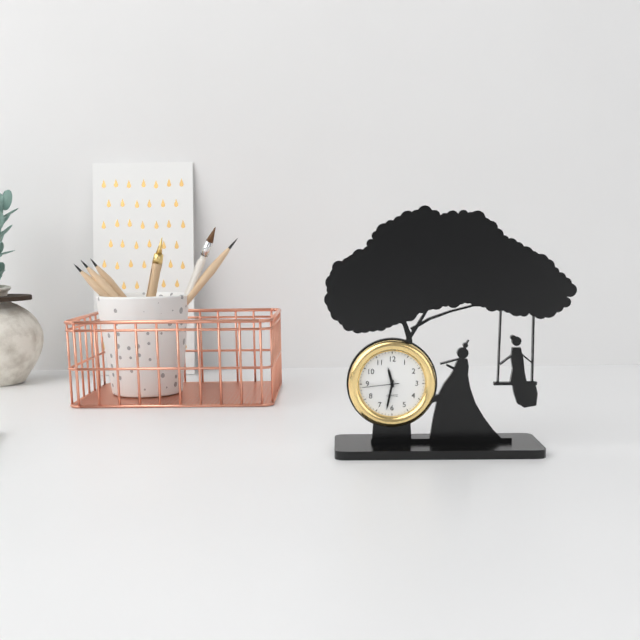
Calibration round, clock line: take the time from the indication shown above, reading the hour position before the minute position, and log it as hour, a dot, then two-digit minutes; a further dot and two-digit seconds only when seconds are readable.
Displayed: 11.32
